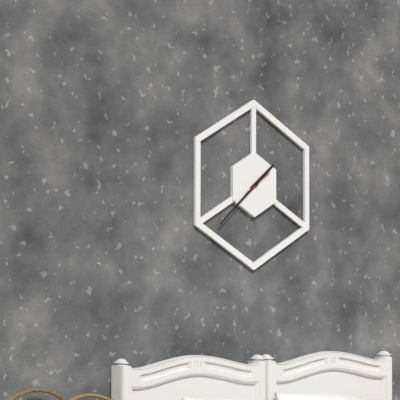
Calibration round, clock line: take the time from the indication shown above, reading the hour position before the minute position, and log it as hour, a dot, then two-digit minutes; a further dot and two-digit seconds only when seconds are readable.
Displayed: 1.38
